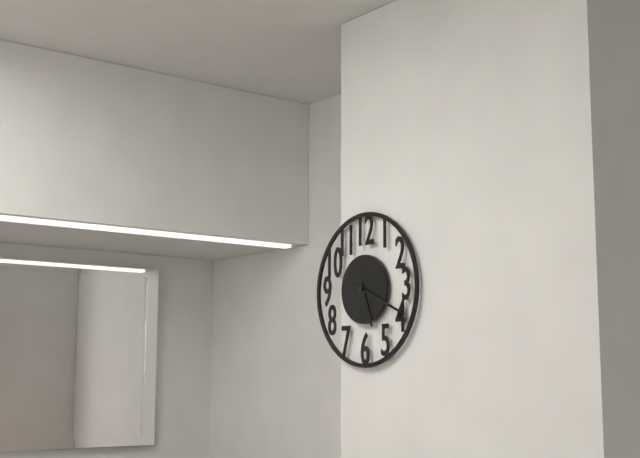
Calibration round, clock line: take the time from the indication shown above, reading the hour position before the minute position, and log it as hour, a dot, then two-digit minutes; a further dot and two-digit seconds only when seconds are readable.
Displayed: 5.19
